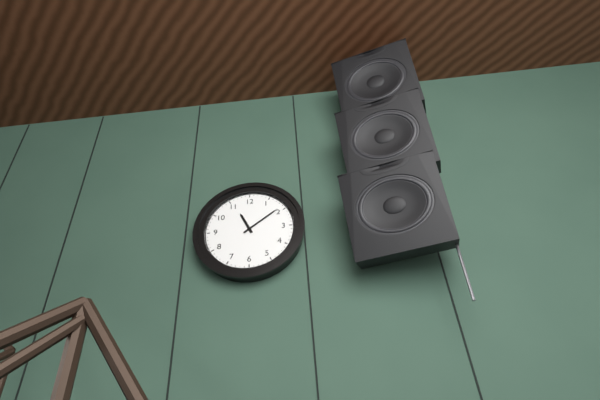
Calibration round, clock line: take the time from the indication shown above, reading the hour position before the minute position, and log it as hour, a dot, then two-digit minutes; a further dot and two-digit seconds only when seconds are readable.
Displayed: 11.09
